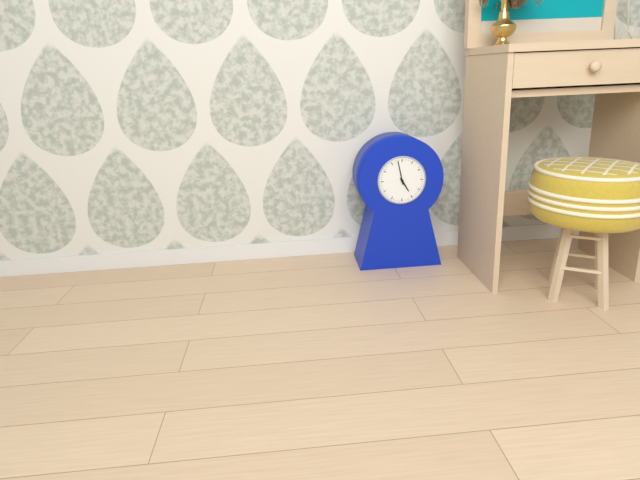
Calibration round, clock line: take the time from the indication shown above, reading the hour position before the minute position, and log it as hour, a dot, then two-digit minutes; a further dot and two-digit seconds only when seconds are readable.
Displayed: 4.58
